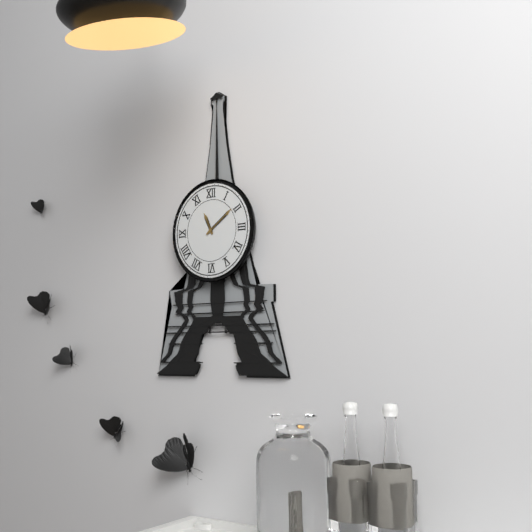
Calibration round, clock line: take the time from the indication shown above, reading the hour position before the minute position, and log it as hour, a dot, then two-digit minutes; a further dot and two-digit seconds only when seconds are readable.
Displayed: 11.09
